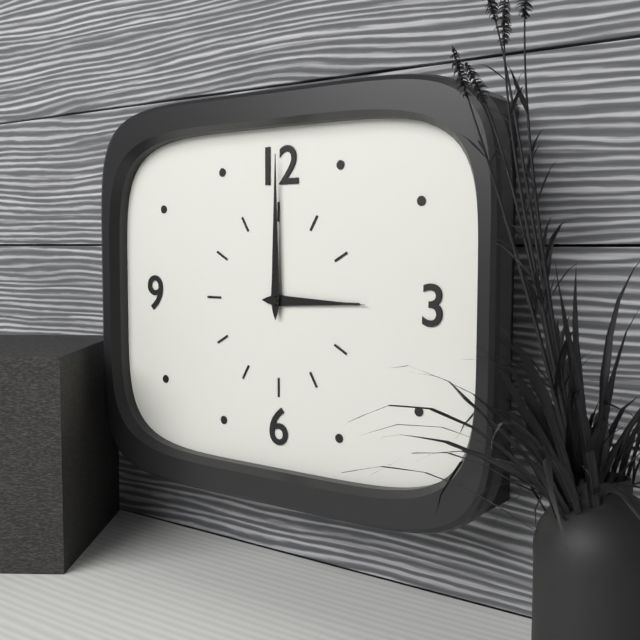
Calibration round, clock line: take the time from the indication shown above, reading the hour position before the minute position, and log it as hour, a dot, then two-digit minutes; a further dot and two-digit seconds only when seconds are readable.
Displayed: 3.00
